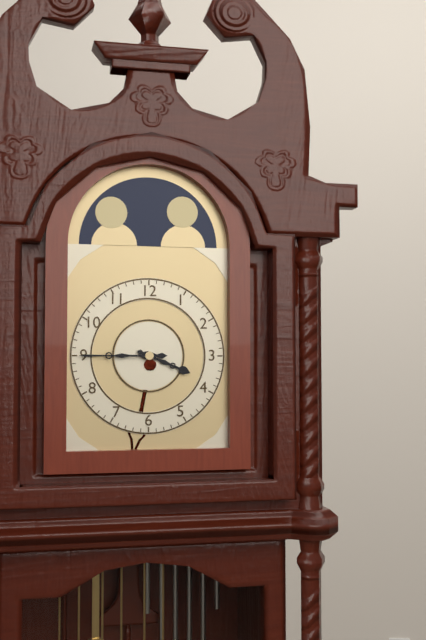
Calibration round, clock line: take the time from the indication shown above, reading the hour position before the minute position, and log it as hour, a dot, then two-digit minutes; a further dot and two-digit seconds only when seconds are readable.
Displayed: 3.45
